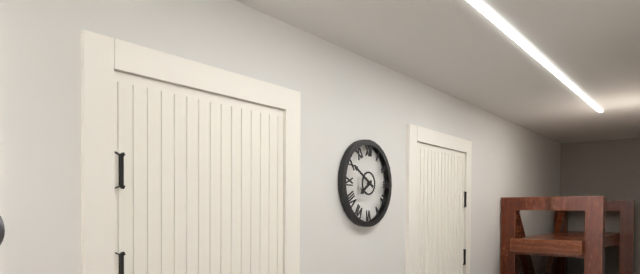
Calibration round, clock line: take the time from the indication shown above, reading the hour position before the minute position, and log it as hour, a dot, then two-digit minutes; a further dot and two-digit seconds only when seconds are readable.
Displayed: 7.50
